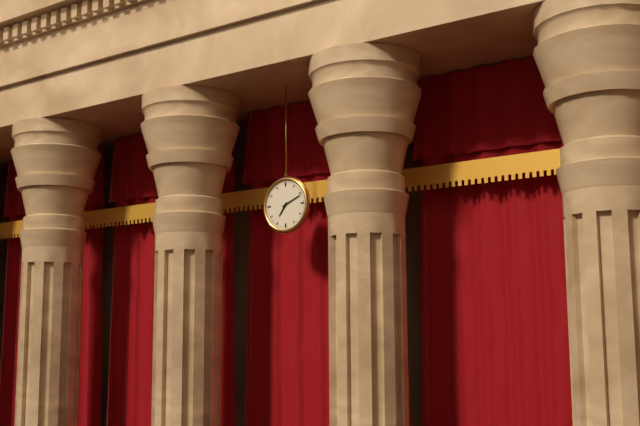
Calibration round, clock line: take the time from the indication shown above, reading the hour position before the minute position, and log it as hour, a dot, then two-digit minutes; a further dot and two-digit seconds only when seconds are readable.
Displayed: 7.11
